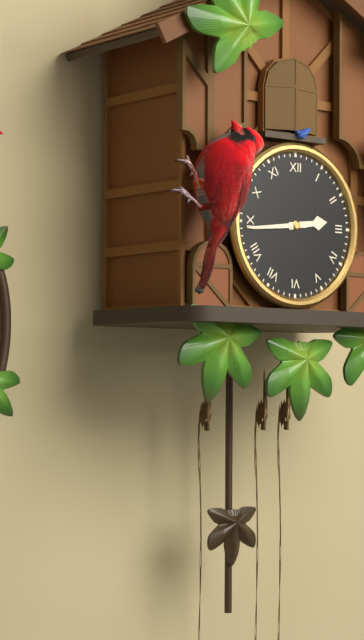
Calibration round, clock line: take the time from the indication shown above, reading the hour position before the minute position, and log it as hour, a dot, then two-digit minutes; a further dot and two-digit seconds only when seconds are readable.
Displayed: 2.44
